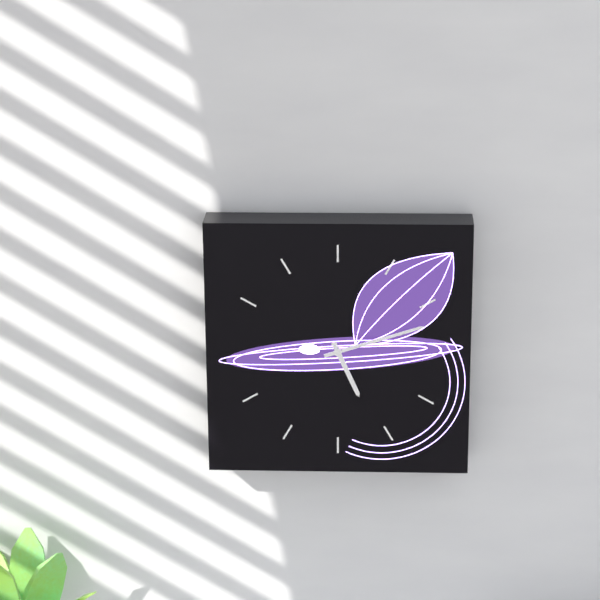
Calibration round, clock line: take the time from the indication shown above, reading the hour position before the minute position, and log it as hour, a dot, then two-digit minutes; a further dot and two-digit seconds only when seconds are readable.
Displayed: 5.12
